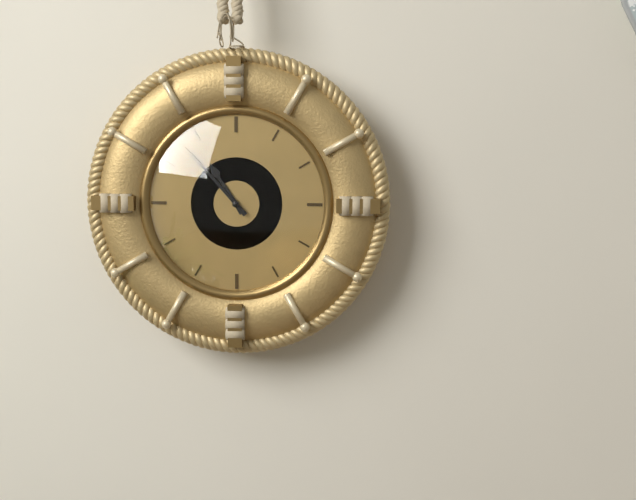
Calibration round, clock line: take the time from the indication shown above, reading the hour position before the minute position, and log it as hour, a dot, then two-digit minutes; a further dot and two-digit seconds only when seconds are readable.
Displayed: 10.53
